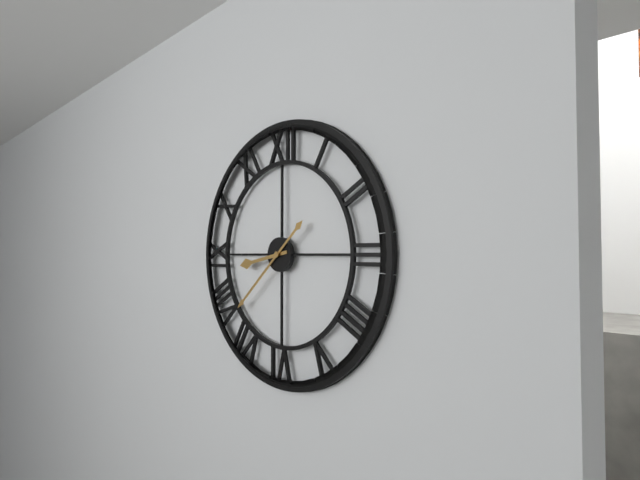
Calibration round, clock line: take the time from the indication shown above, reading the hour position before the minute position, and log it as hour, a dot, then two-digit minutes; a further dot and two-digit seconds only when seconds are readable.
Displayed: 8.38
